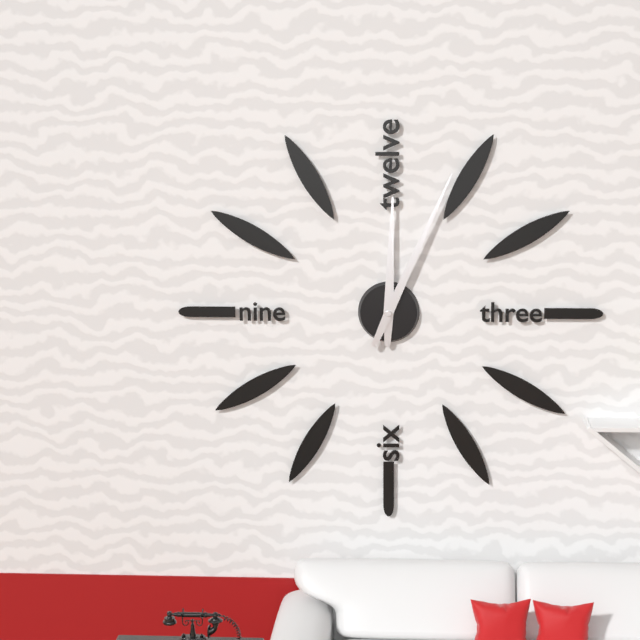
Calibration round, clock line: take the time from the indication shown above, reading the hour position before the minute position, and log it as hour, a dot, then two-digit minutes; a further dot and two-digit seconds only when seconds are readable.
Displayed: 12.04
